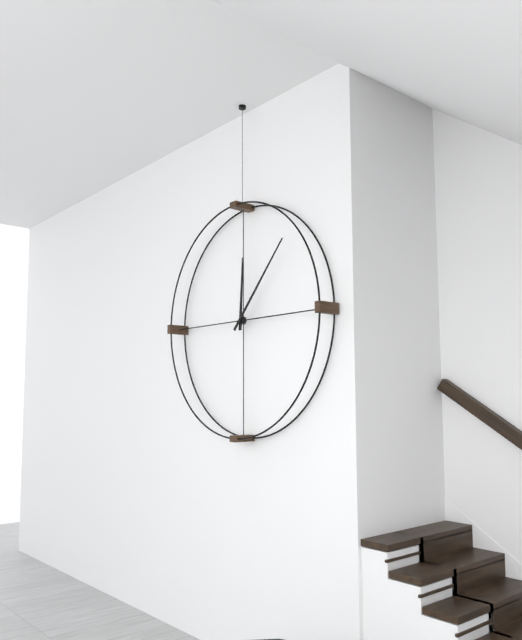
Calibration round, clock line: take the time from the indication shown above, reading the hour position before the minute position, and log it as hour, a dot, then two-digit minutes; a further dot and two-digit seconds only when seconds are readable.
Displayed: 12.07
